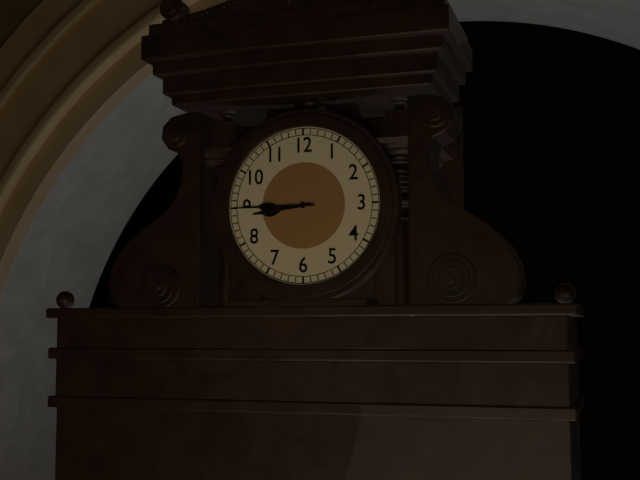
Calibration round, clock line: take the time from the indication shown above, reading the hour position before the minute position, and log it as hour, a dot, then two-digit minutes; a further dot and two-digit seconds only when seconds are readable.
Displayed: 8.45
